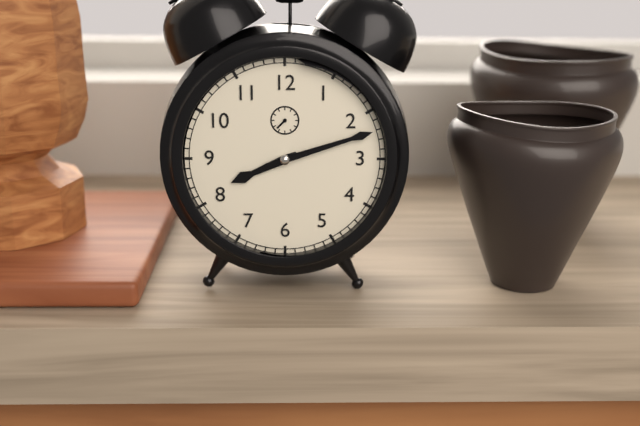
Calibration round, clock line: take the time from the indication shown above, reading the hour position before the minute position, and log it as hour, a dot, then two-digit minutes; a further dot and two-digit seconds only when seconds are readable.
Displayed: 8.12
